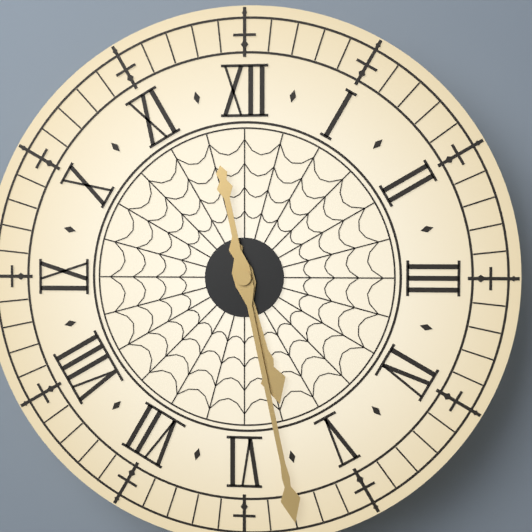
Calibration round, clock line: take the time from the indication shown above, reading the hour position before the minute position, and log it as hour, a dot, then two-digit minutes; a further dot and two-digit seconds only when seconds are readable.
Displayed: 5.28
